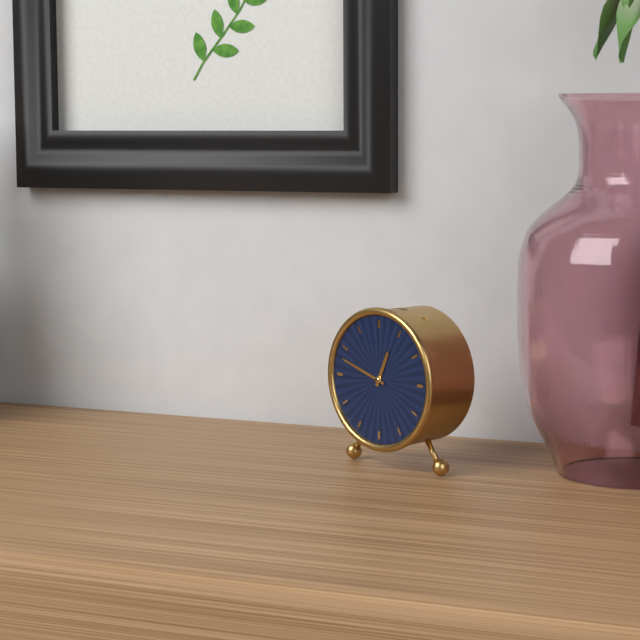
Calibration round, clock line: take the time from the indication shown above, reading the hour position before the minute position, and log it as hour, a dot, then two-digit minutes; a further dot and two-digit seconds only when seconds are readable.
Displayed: 12.48
